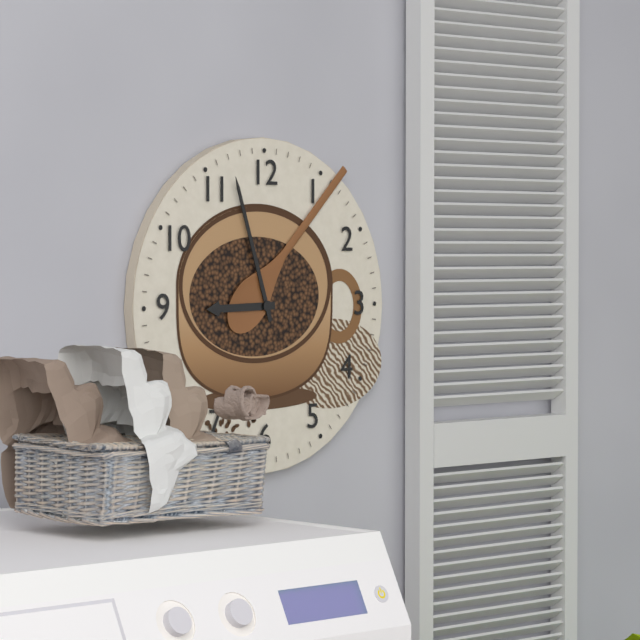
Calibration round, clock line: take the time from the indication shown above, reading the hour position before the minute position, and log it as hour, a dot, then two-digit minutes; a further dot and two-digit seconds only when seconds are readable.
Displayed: 8.57
